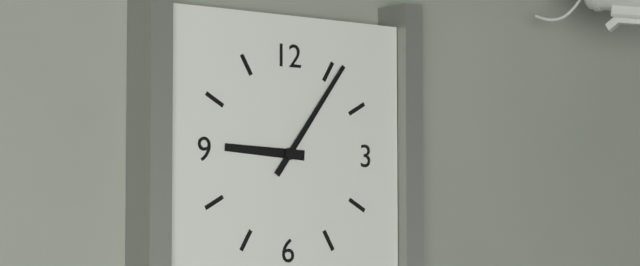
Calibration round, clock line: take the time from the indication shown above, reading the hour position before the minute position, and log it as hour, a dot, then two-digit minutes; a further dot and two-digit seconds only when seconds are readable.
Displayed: 9.06
